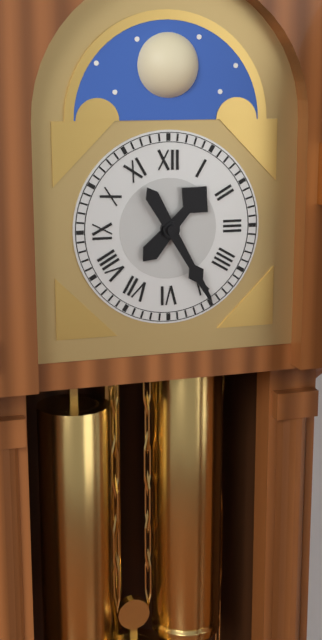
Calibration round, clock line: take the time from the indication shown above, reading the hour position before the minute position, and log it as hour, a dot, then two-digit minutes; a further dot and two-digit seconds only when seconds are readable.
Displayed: 1.25
